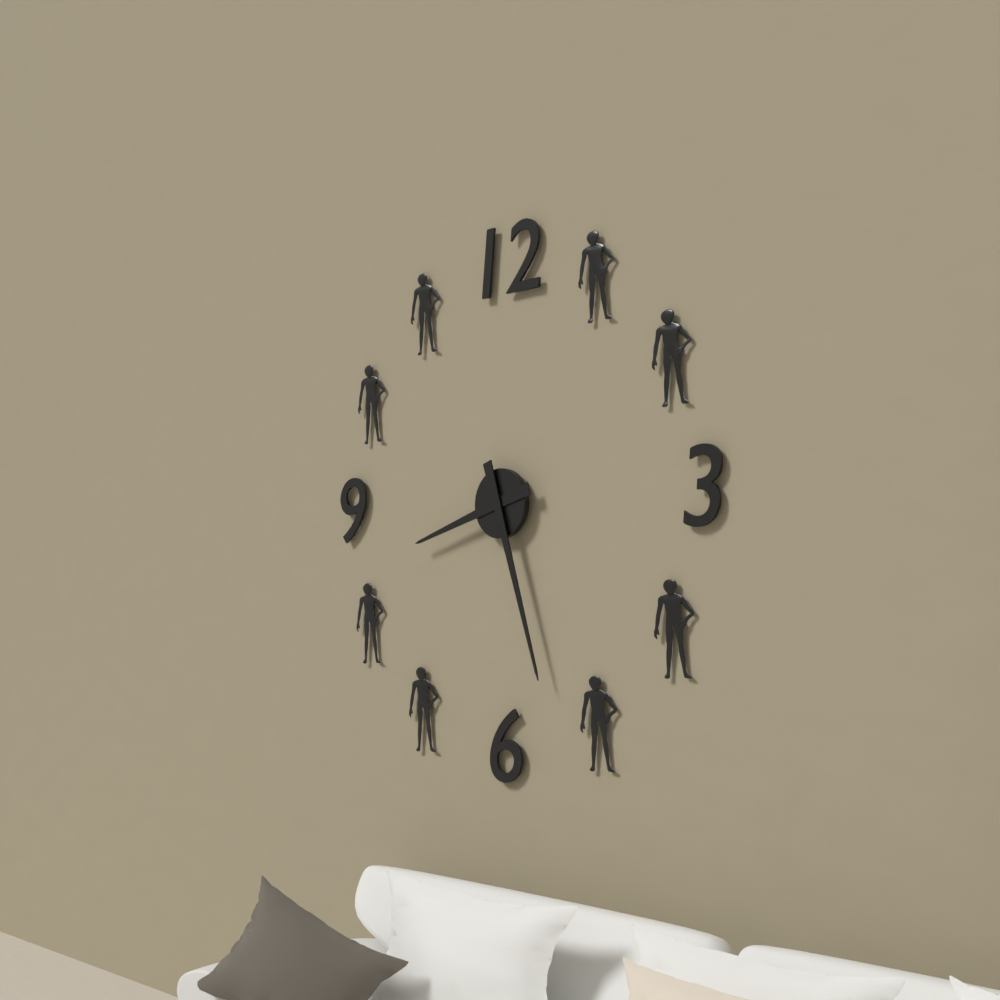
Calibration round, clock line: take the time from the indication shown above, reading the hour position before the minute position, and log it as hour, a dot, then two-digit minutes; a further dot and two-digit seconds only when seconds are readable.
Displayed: 8.27
